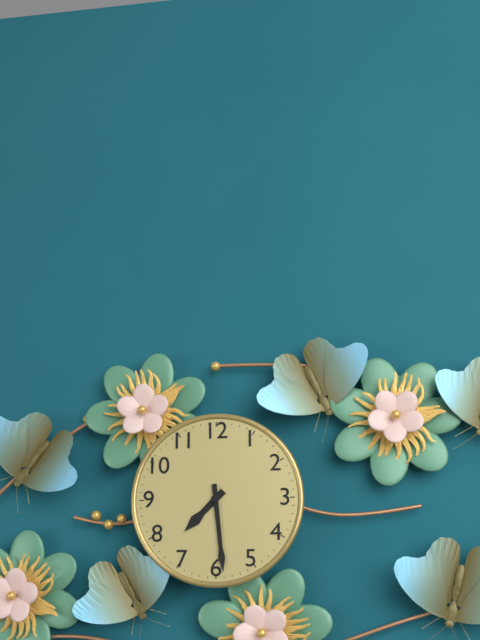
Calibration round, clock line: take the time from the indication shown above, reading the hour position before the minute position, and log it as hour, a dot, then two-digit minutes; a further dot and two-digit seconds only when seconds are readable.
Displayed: 7.29
